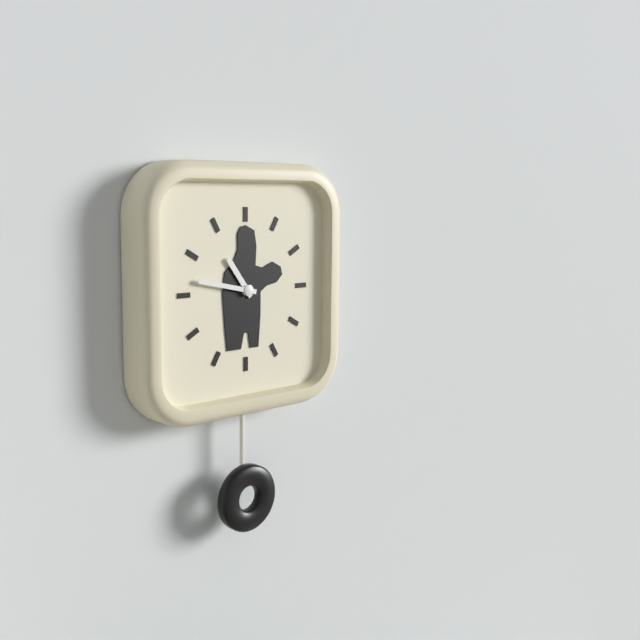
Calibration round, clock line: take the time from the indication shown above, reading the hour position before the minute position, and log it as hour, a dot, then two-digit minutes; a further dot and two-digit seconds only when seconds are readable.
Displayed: 10.47
